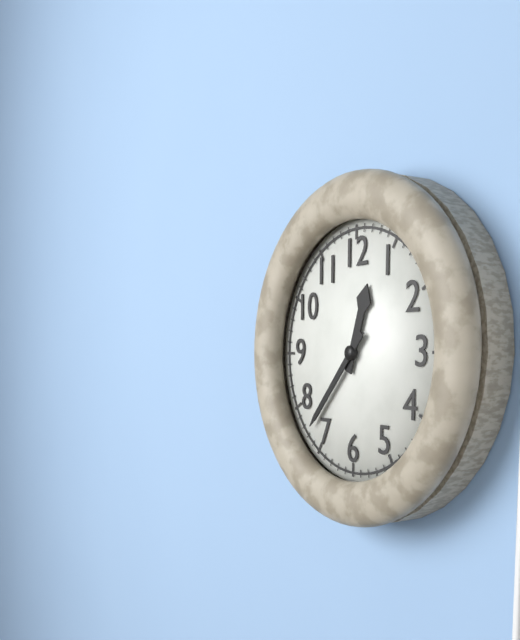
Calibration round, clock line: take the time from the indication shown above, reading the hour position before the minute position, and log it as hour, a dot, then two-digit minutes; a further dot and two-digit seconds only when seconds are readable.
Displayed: 12.37
